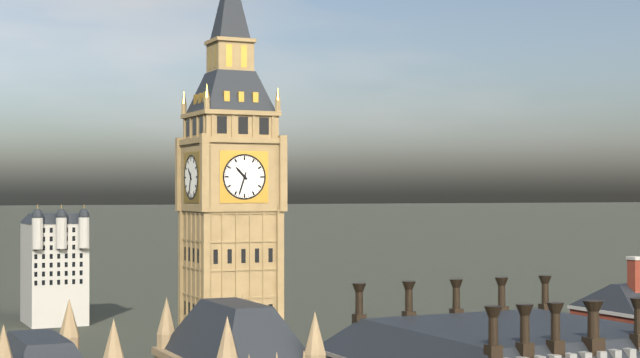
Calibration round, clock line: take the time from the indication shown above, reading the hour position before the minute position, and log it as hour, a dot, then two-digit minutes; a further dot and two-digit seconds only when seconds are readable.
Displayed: 10.33
